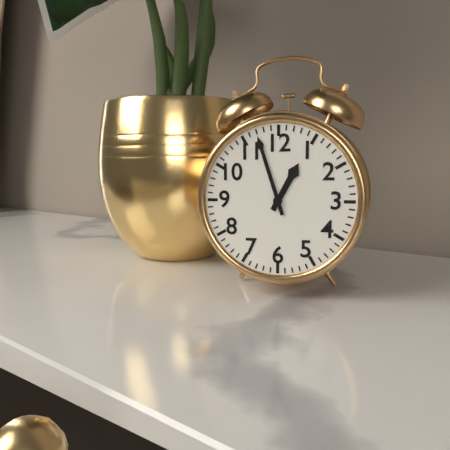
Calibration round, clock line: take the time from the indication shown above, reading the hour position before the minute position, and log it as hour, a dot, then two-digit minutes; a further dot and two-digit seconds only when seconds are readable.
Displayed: 12.57
